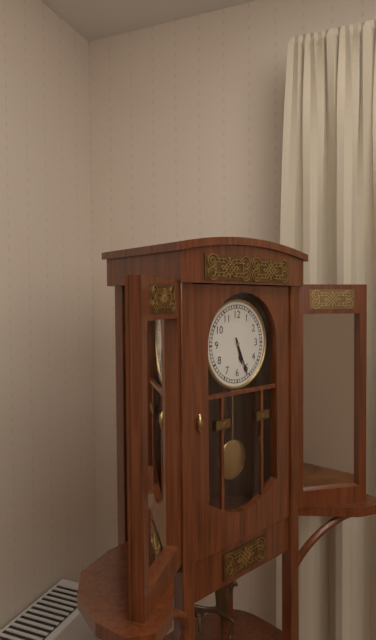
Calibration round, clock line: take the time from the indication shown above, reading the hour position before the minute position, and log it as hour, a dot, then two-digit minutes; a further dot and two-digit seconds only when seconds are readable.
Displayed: 5.26
